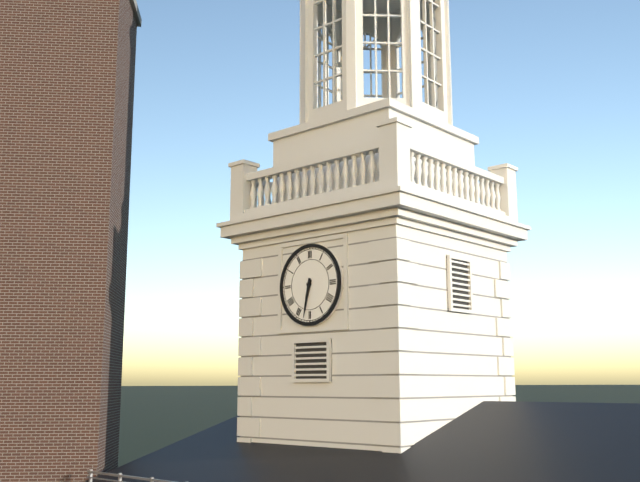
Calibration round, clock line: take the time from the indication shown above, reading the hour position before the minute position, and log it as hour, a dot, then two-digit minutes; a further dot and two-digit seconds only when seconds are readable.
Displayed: 6.32
